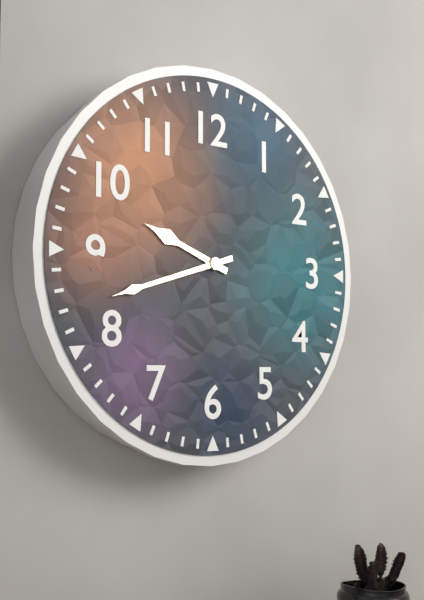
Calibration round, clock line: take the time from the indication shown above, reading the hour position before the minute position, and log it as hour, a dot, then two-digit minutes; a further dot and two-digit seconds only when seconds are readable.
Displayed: 9.42
